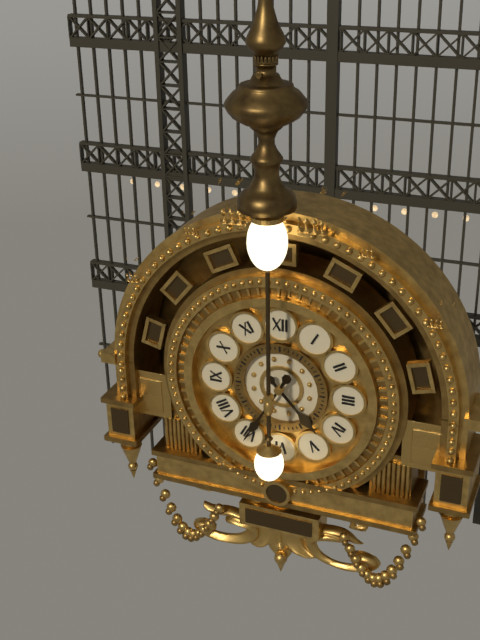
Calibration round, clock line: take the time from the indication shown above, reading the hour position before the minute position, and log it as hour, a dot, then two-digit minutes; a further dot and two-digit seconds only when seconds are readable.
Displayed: 4.35
